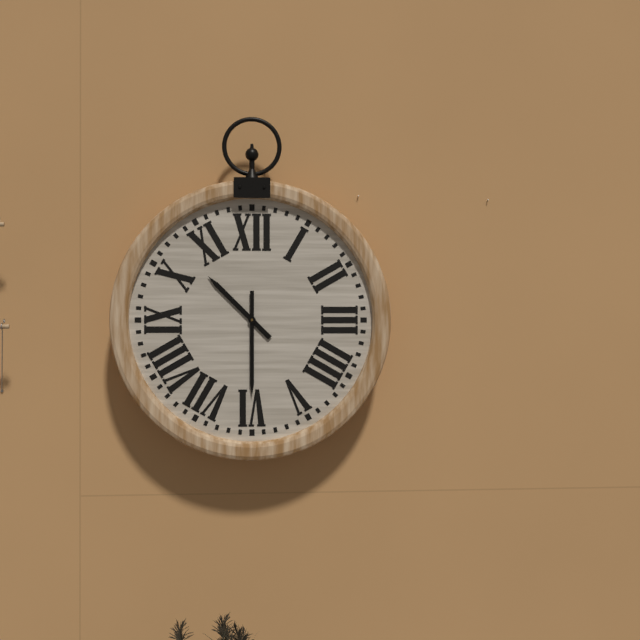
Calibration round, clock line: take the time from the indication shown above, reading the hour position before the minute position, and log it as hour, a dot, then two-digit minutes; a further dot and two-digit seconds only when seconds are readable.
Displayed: 10.30
